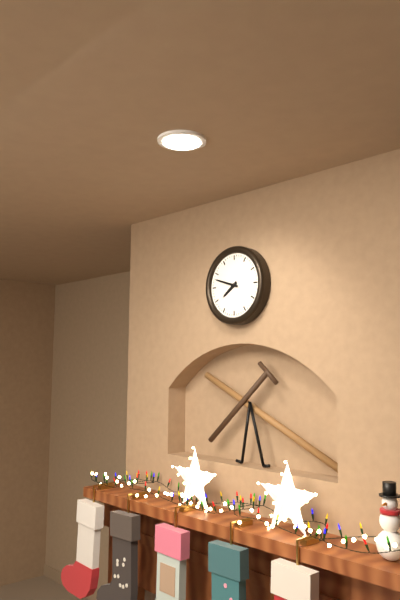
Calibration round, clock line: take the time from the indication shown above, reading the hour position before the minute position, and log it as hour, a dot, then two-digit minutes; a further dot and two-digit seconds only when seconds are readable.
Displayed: 7.48
